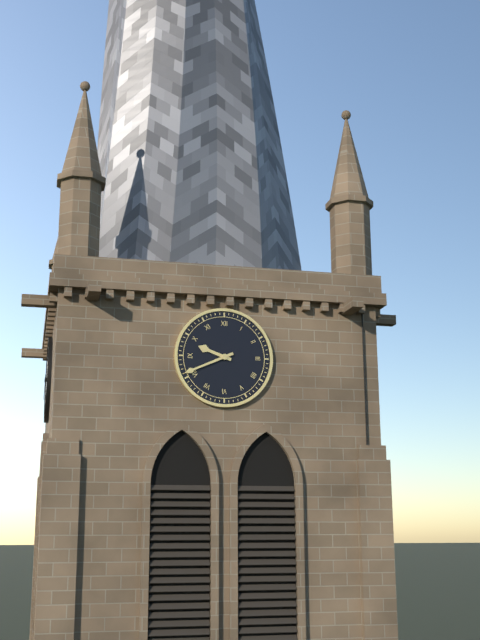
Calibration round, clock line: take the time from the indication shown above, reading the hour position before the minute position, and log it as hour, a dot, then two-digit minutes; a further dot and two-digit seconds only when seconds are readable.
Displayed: 9.41
